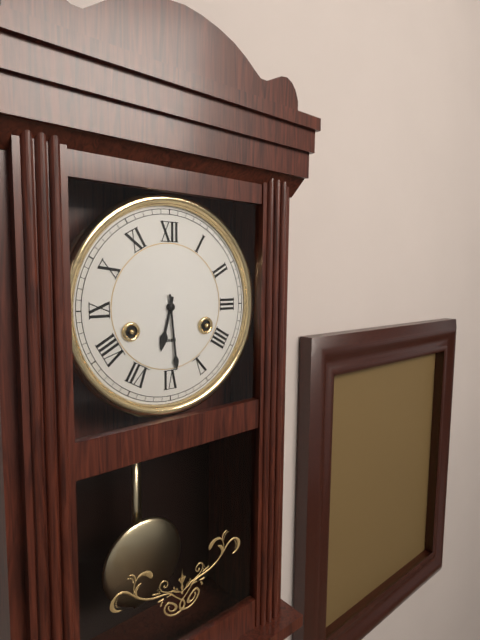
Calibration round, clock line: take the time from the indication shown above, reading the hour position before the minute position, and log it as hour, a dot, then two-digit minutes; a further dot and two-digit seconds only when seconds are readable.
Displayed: 6.29
